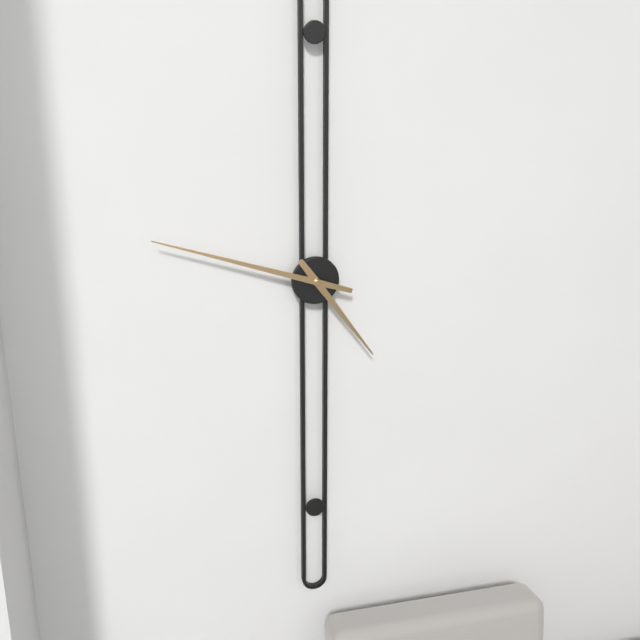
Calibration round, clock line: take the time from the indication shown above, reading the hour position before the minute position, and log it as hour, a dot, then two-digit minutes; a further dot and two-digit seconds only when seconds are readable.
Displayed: 4.48
